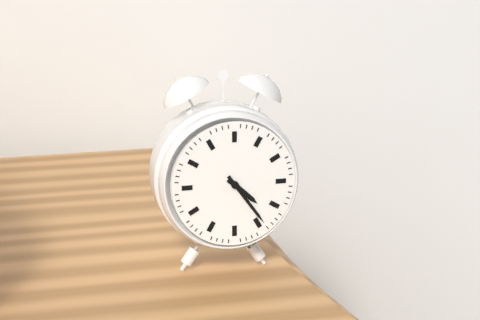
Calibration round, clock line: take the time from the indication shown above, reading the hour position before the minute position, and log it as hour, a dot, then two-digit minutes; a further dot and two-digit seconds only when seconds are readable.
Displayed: 4.24
